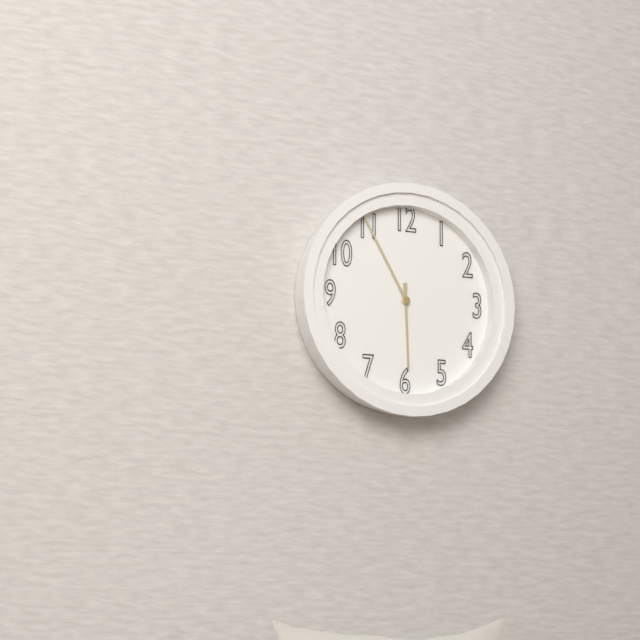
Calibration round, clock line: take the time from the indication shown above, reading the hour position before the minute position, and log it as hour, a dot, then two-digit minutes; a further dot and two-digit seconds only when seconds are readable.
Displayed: 5.55
